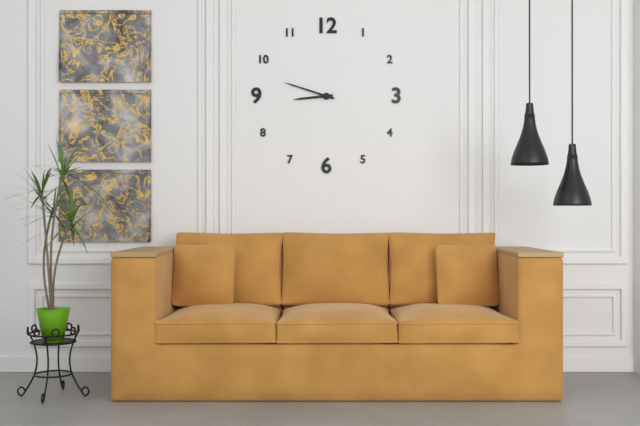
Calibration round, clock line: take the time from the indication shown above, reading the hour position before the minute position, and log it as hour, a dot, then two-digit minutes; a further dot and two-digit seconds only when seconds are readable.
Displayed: 8.48
